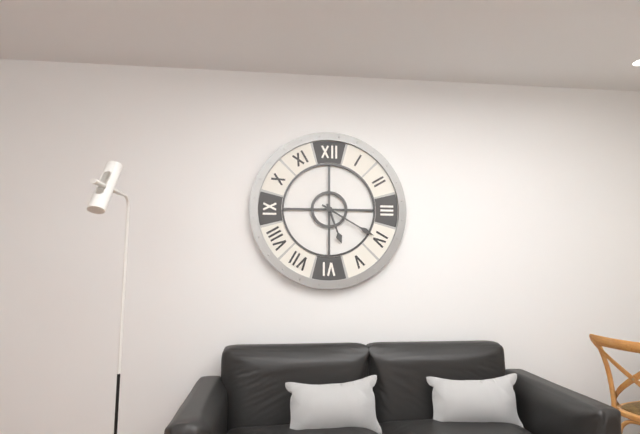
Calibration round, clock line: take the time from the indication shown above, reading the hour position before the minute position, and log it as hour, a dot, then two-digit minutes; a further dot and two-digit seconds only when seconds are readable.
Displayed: 5.20
